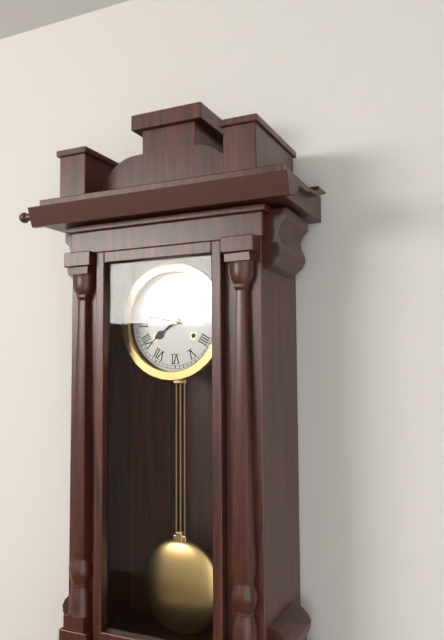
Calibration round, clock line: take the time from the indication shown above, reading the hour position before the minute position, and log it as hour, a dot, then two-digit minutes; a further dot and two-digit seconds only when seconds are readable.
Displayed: 7.47
